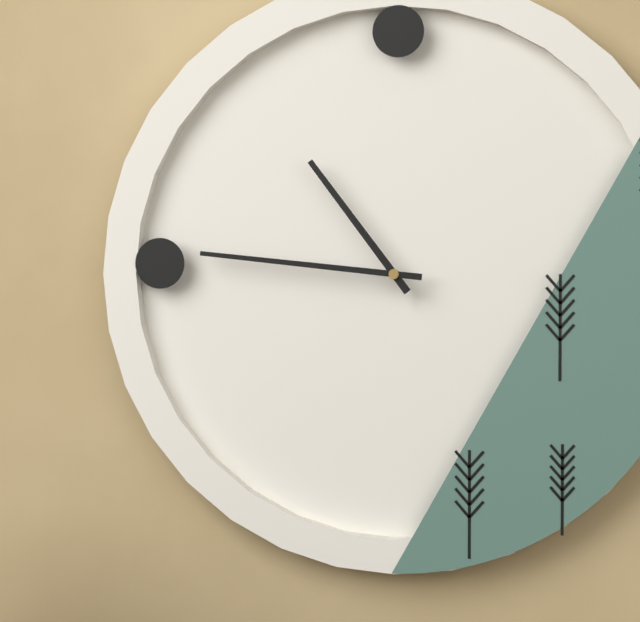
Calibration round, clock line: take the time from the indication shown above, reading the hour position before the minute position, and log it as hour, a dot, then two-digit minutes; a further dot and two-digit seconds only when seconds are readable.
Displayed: 10.46
